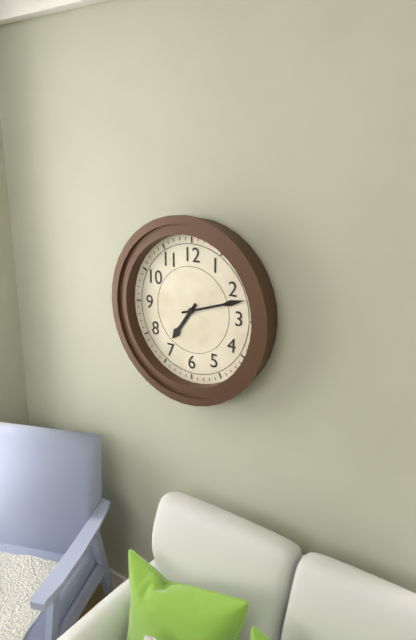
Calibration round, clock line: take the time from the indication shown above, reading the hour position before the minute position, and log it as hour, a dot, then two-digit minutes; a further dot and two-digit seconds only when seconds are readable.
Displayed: 7.12
